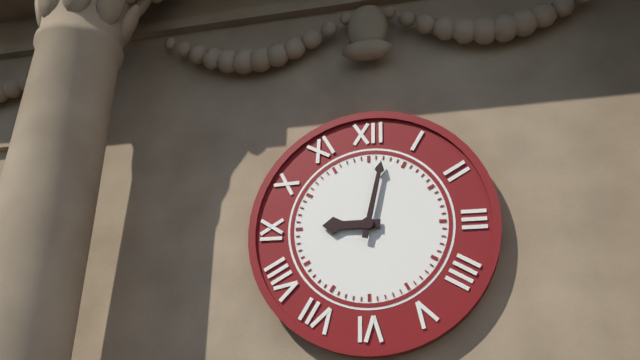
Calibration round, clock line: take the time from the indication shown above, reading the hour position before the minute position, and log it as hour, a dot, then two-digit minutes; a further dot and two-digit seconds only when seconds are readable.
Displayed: 9.02
